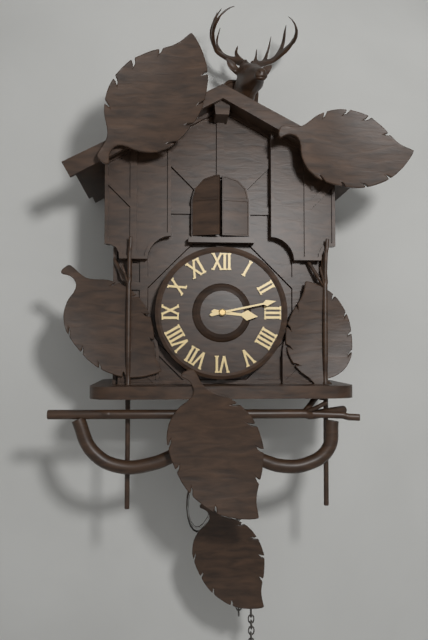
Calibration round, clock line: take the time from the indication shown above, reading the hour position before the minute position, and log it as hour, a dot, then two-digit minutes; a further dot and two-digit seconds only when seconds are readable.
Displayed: 3.13
